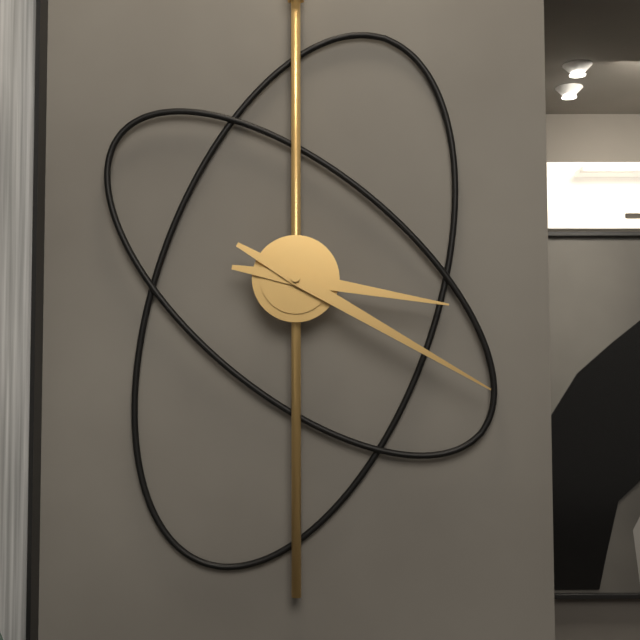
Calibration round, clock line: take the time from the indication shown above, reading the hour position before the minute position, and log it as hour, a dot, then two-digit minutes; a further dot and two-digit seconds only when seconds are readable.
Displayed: 3.20
